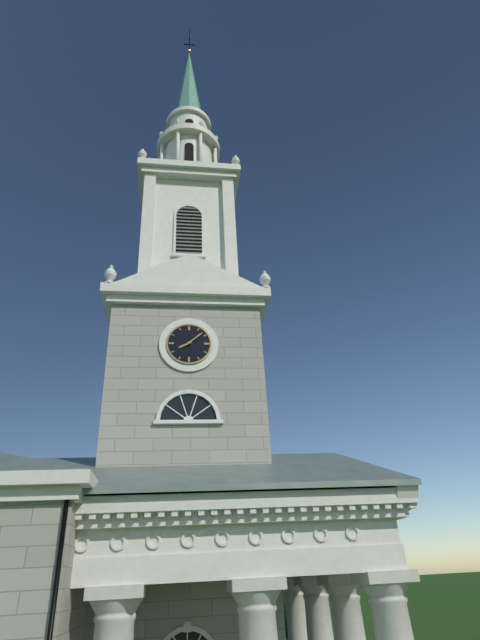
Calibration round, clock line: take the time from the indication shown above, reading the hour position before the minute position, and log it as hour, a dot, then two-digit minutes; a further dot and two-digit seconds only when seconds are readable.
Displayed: 8.08
